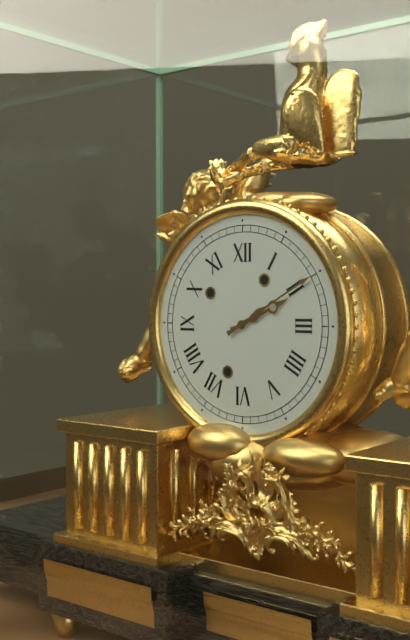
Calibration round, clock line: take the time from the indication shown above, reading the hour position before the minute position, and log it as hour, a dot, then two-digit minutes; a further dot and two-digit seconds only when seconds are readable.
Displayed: 2.10
